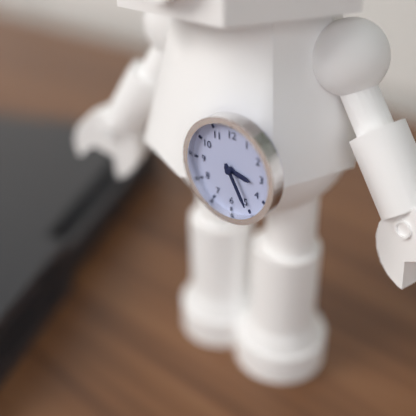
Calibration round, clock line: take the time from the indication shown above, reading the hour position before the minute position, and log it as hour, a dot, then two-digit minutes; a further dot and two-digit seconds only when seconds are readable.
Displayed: 3.25
